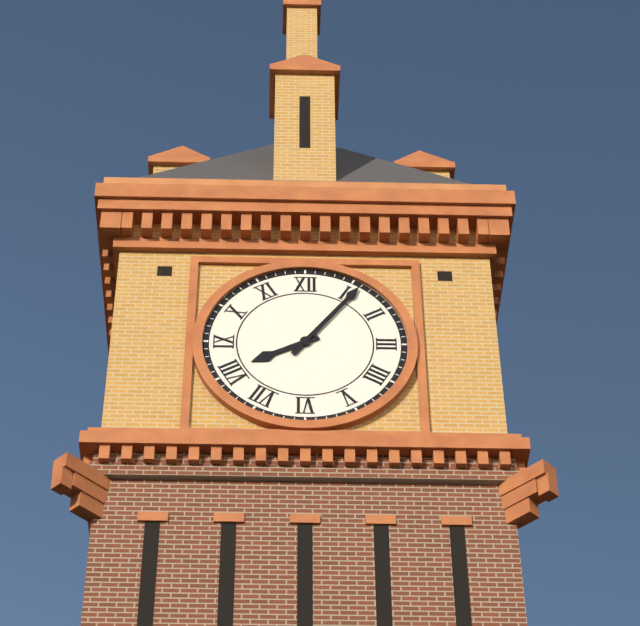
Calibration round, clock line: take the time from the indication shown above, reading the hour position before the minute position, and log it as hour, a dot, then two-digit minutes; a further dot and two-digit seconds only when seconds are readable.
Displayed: 8.06
